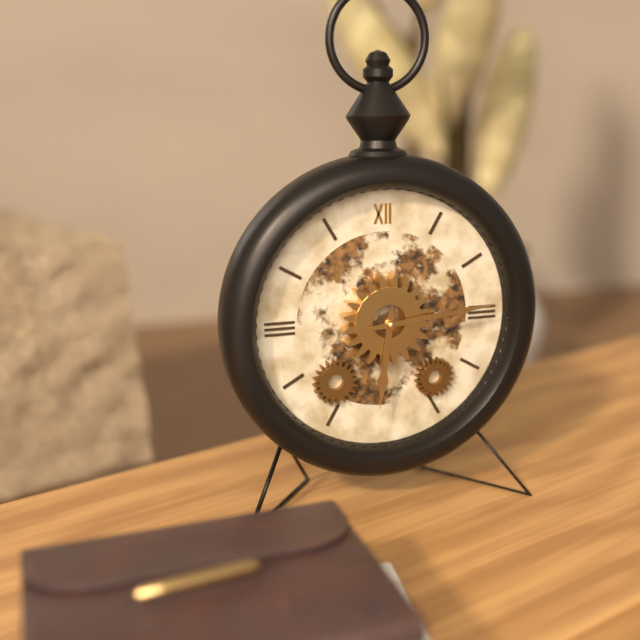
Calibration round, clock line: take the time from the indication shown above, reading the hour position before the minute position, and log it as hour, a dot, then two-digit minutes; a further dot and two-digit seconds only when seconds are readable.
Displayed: 6.14
